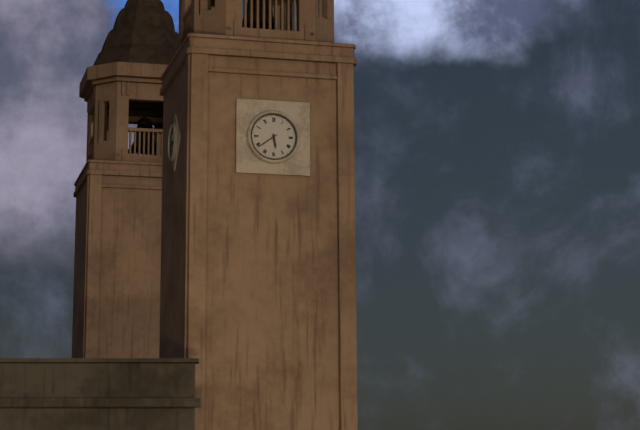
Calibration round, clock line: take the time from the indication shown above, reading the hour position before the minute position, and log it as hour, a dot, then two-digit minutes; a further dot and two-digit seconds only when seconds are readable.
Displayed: 5.39
